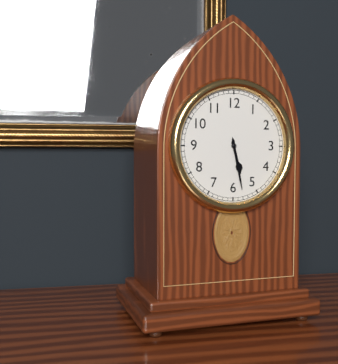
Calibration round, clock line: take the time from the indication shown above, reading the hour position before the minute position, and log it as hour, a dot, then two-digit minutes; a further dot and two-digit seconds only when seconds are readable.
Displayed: 5.28
